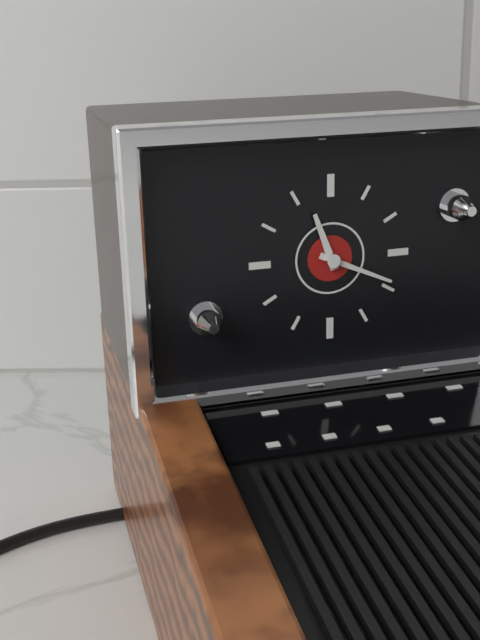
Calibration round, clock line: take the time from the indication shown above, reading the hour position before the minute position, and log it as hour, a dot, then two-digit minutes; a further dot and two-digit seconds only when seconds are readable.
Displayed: 11.19
